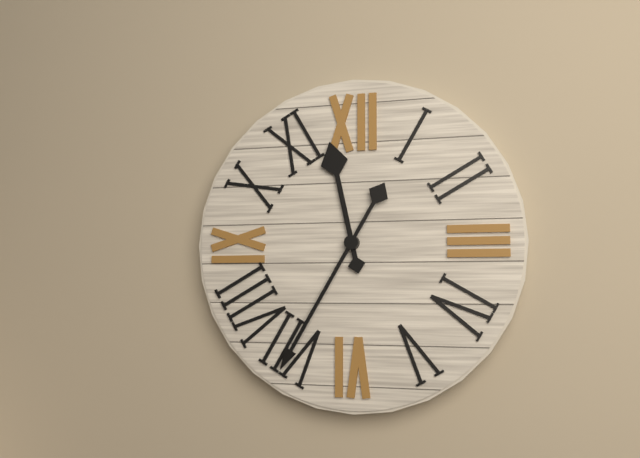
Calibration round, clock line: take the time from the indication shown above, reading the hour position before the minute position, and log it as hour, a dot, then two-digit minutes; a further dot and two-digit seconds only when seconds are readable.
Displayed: 11.35
